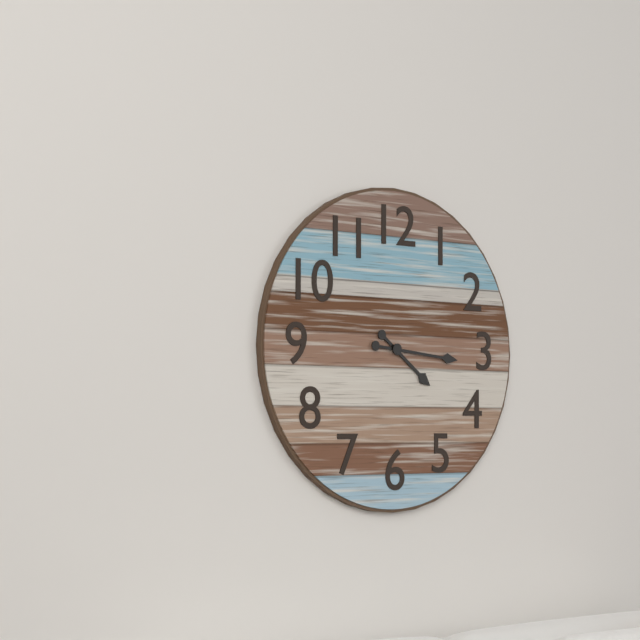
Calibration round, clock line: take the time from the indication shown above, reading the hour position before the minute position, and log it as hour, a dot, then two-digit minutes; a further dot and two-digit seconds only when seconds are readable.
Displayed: 4.16
